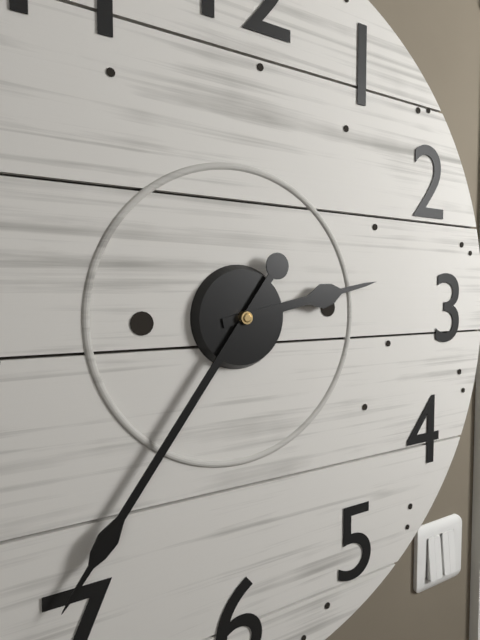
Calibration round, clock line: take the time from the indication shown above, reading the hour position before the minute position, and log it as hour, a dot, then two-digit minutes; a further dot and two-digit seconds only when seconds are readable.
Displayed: 2.36
